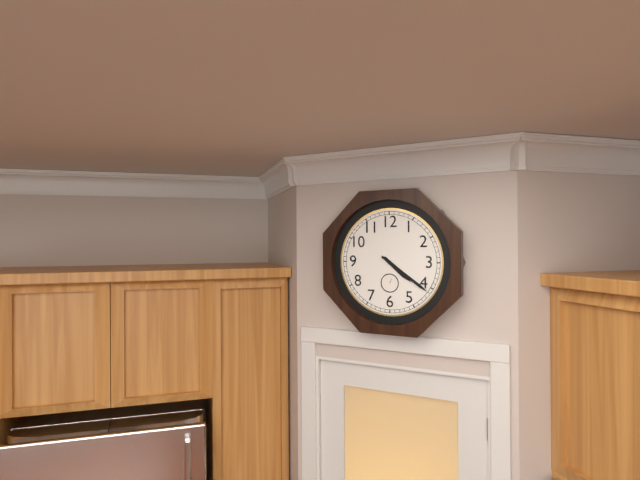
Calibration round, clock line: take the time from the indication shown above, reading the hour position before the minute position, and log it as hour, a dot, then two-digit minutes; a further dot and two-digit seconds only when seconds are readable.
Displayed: 4.21
